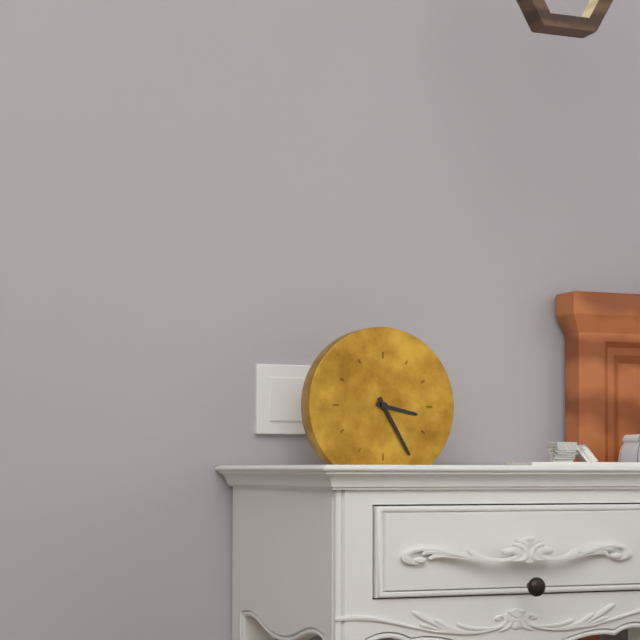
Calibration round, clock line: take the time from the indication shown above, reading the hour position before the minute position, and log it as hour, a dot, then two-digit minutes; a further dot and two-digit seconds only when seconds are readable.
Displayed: 3.25
